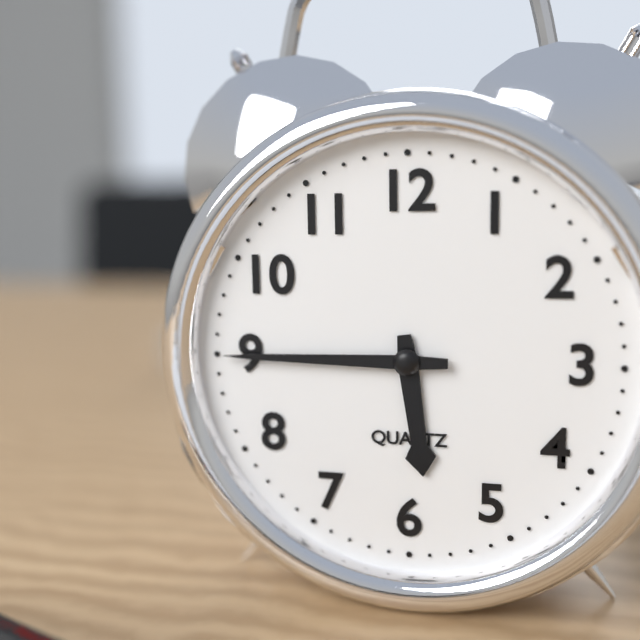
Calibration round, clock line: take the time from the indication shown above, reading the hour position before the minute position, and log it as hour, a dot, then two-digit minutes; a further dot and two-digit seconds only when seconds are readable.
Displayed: 5.45
